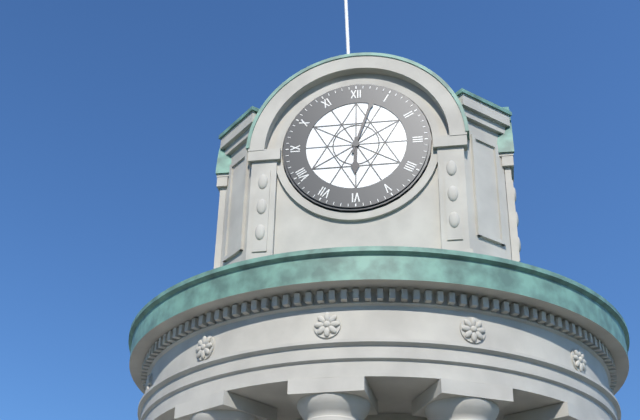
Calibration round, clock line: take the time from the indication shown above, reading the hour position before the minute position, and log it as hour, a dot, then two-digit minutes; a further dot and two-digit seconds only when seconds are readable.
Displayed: 6.03
